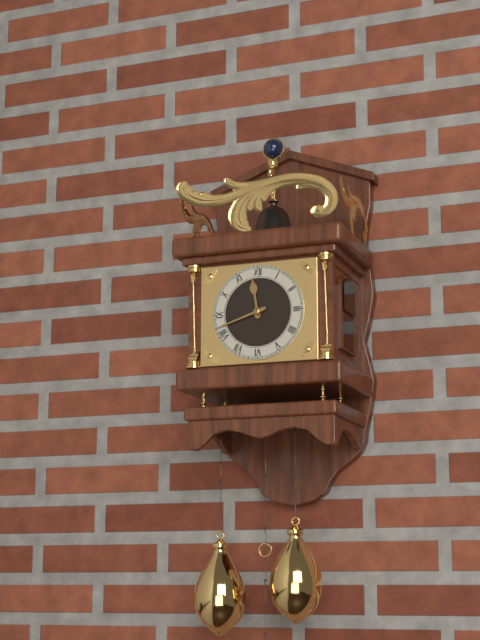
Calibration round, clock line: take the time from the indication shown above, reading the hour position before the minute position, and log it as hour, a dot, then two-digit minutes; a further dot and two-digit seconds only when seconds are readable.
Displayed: 11.42
